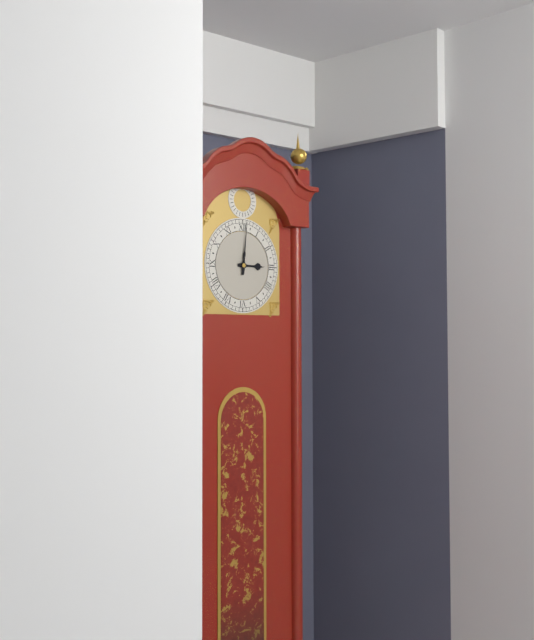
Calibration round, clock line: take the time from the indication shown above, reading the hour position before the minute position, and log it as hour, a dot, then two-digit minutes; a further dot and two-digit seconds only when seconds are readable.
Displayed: 3.01
